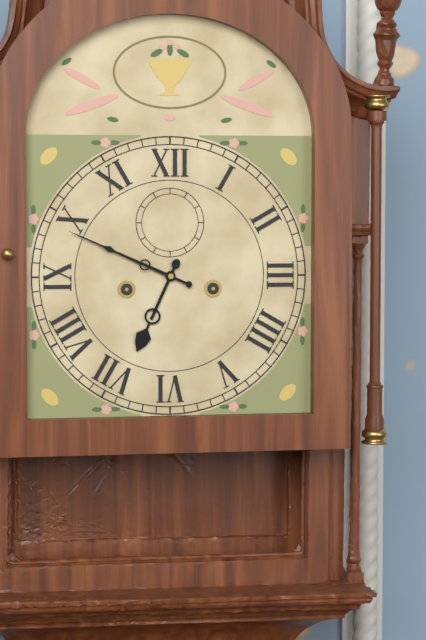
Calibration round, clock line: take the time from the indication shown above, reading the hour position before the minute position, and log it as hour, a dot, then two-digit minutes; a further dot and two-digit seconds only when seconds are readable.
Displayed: 6.49
